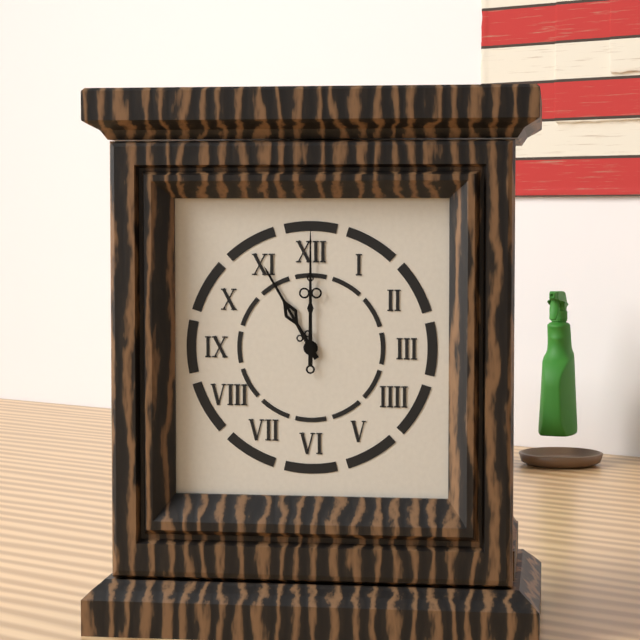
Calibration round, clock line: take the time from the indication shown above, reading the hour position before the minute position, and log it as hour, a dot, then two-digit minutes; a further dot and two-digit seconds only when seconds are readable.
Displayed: 11.00
